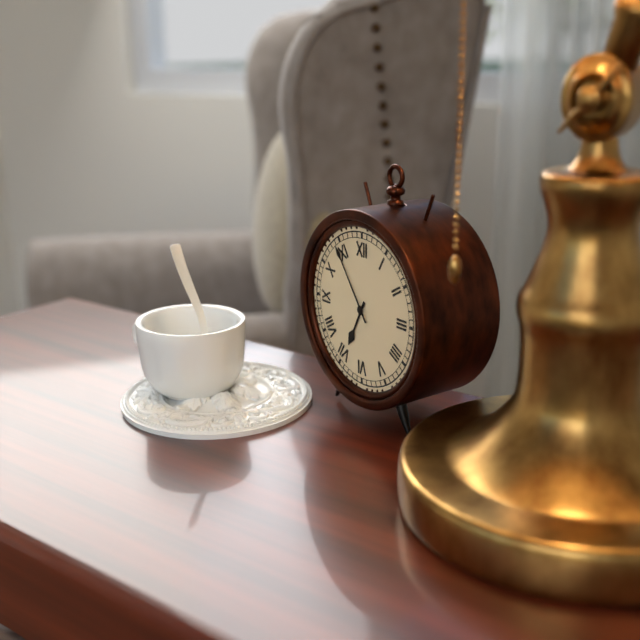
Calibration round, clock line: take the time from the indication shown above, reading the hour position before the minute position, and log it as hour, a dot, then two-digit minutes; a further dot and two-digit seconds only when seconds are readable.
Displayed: 6.54
